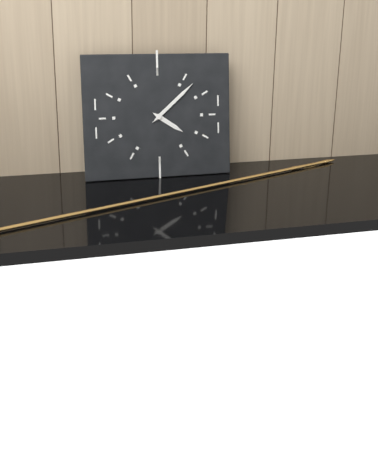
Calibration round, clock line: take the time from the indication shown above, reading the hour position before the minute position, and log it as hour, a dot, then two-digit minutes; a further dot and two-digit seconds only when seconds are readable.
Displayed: 4.08
